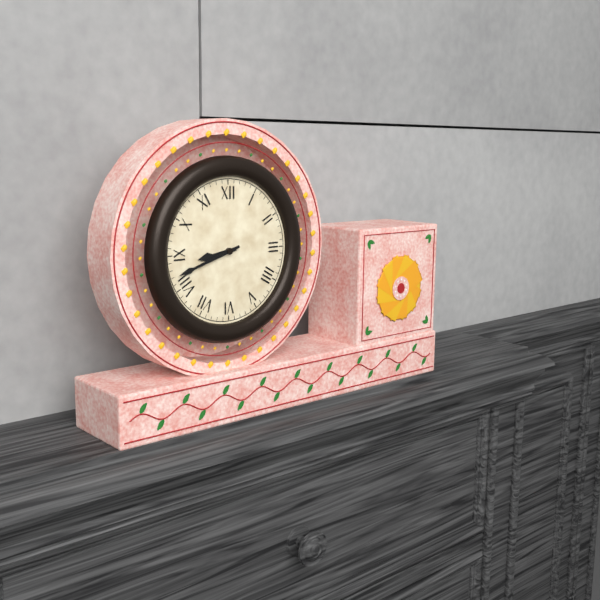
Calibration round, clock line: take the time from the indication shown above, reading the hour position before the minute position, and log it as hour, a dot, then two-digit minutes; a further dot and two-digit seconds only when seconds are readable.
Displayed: 8.42
